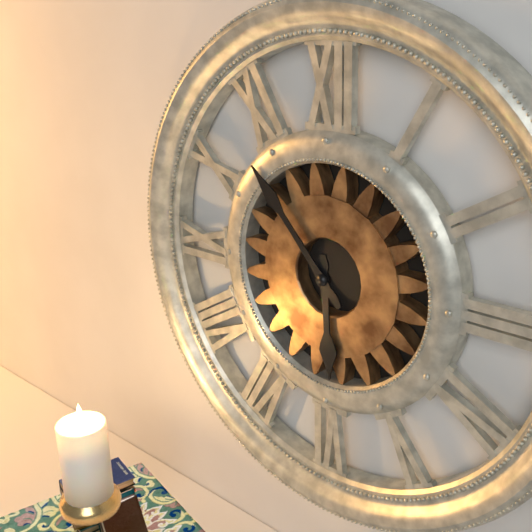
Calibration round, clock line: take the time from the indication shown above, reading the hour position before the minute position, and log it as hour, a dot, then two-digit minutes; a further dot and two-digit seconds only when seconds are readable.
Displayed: 5.53
